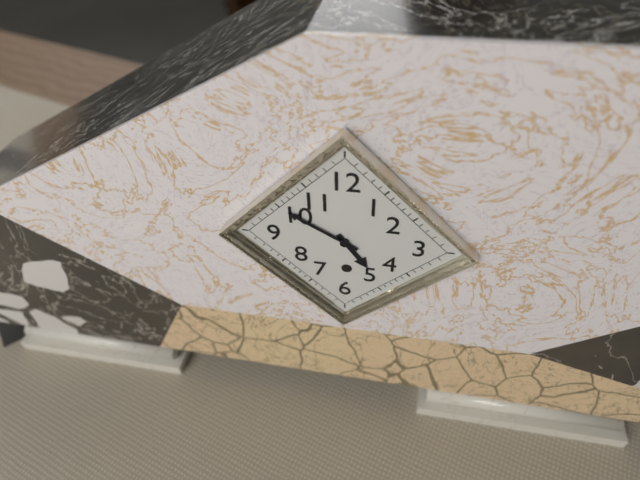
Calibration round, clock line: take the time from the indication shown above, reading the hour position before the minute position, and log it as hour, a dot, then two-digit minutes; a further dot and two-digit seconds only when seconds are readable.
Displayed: 4.50
